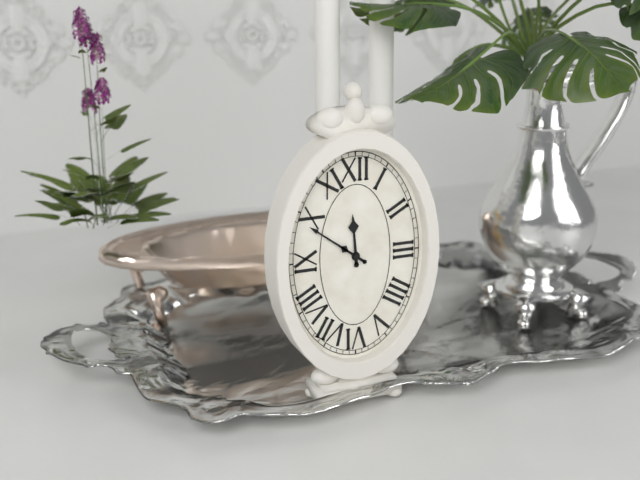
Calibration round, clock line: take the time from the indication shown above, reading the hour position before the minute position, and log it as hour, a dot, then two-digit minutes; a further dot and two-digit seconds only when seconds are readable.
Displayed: 11.51
